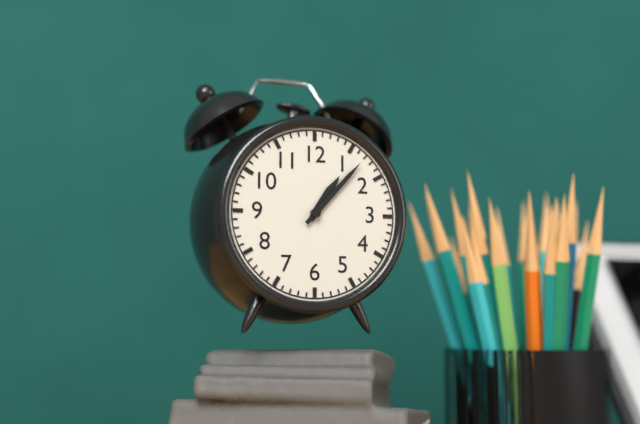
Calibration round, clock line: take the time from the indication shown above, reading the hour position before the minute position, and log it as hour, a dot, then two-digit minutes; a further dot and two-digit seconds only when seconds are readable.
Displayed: 1.07
